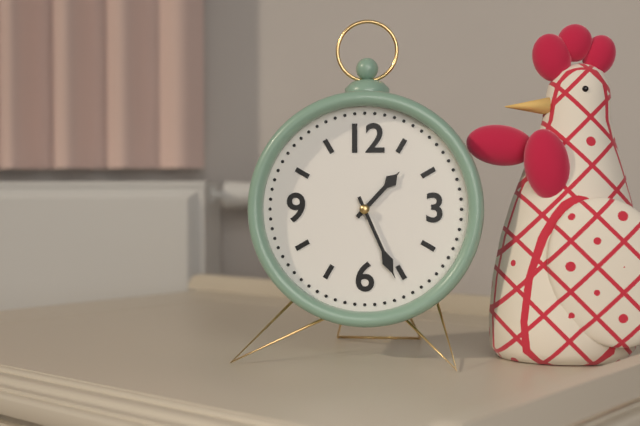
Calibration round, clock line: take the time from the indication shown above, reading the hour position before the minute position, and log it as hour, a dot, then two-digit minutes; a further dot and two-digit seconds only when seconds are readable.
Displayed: 1.26
